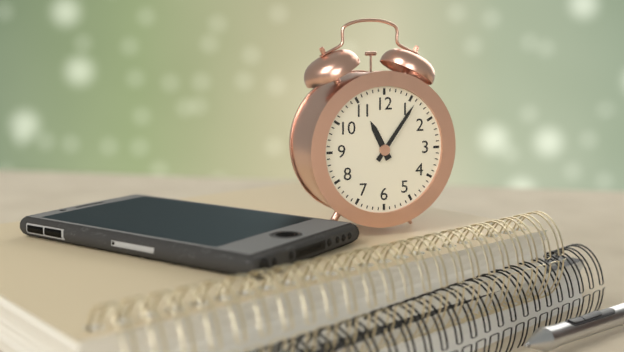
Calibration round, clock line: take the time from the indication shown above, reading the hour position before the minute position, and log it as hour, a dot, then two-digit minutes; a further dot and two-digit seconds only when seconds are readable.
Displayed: 11.06
